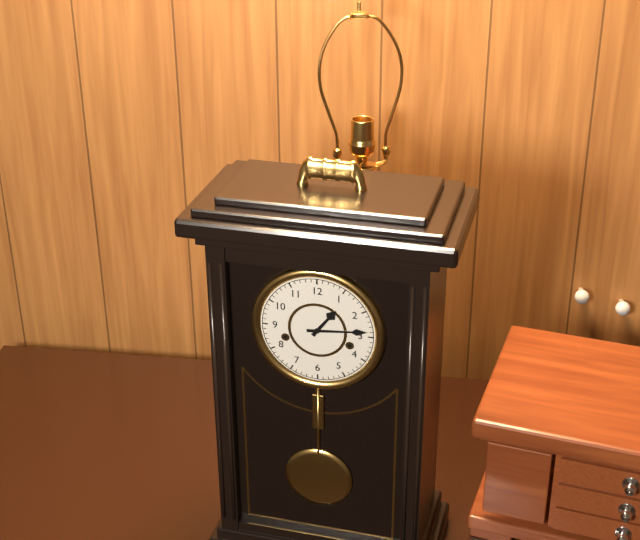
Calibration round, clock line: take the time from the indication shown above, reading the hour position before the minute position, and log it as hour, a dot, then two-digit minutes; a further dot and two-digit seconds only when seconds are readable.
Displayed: 1.14
